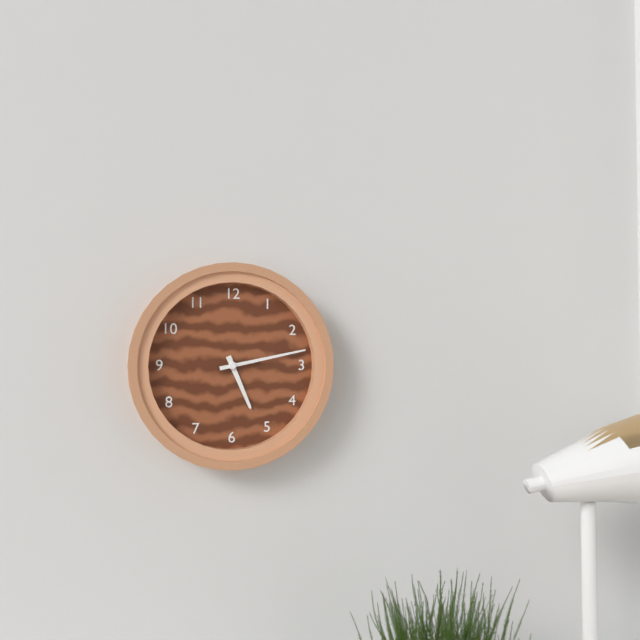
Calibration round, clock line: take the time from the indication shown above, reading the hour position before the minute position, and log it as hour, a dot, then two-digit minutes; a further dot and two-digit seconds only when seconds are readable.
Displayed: 5.13
